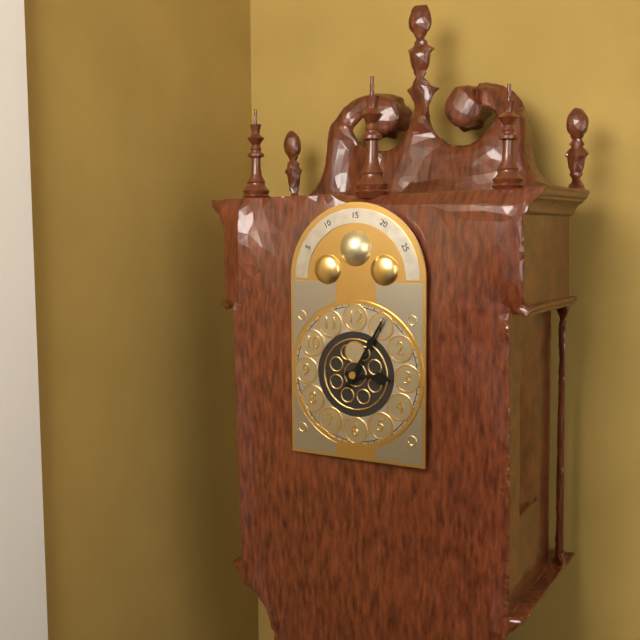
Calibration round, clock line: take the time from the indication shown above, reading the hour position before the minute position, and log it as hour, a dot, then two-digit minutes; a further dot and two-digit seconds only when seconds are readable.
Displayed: 3.05
